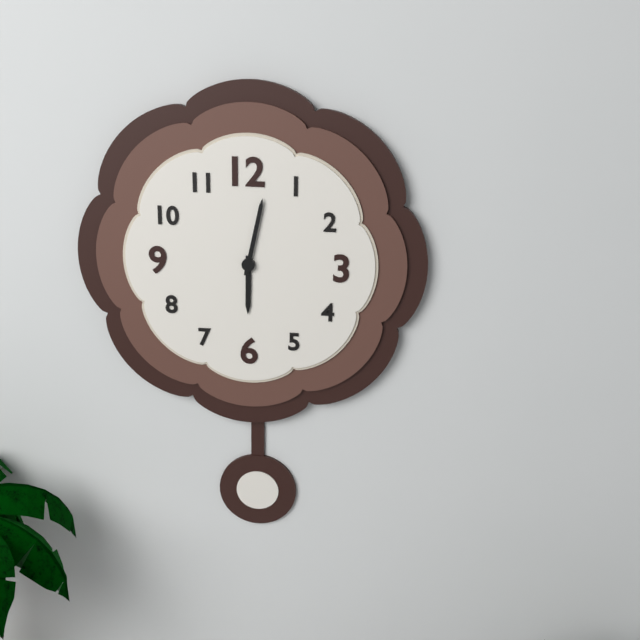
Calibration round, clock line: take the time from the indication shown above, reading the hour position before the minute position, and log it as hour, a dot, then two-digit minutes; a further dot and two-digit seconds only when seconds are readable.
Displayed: 6.02
